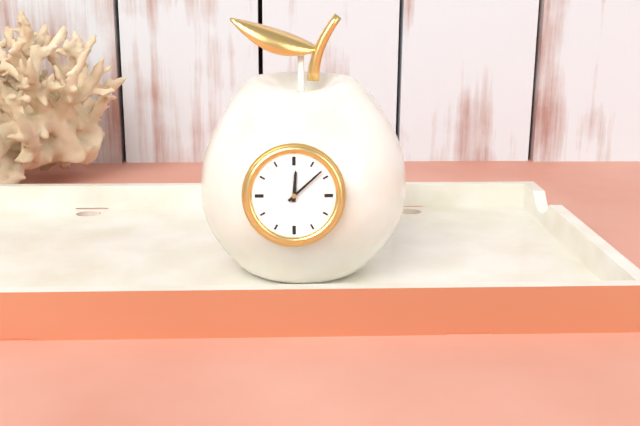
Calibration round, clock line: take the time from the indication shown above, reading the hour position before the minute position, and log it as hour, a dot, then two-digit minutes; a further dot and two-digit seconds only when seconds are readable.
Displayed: 12.08
